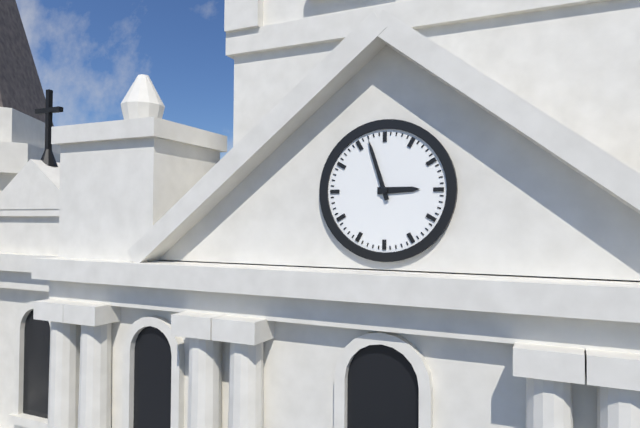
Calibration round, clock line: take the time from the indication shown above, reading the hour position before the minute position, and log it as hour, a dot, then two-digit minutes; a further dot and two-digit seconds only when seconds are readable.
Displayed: 2.57
